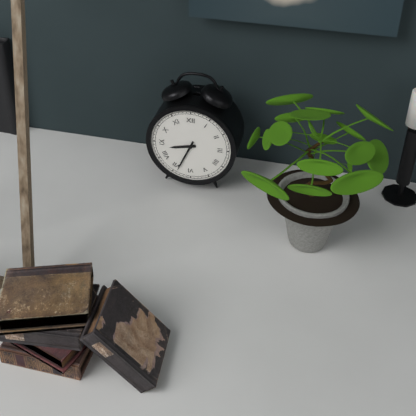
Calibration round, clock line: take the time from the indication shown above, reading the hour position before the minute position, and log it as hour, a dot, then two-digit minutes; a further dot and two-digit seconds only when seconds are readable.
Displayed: 8.34
